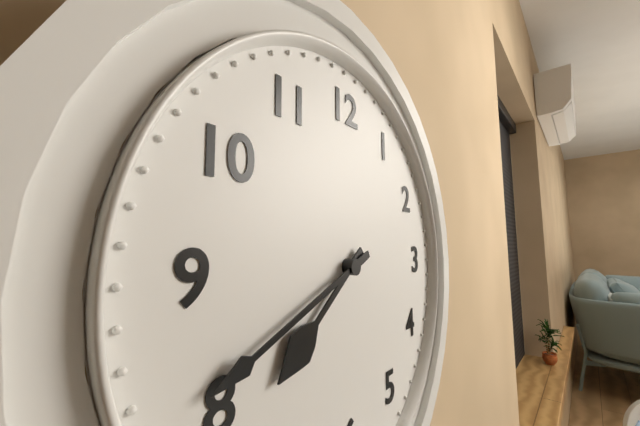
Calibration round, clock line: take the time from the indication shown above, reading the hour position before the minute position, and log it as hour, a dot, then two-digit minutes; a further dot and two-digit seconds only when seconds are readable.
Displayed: 7.41
